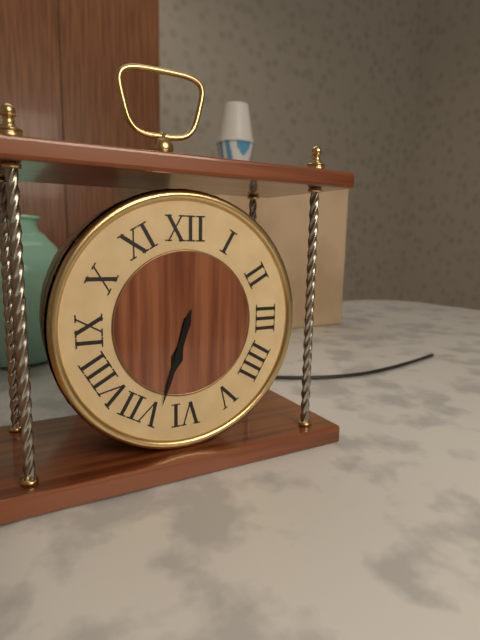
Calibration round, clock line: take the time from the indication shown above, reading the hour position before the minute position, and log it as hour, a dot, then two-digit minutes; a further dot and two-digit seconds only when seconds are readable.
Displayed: 6.33
